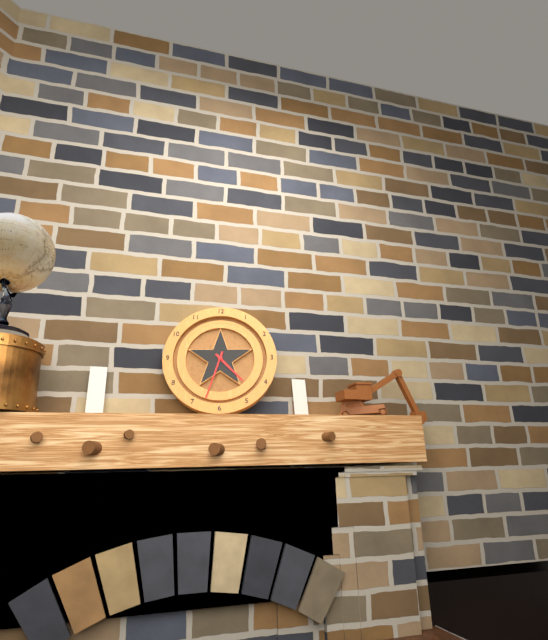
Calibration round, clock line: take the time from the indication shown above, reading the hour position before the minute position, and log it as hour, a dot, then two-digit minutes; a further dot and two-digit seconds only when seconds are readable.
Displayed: 4.33
